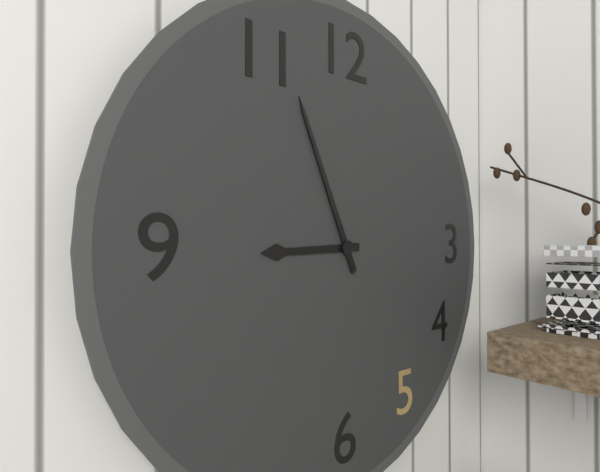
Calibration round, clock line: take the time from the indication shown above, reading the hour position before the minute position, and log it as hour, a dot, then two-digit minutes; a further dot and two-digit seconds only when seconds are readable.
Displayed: 8.56
